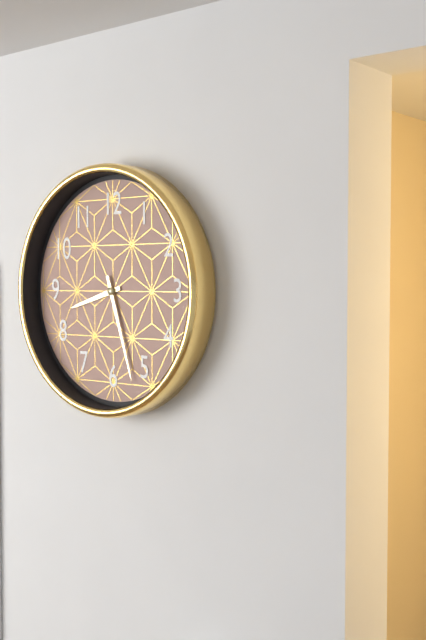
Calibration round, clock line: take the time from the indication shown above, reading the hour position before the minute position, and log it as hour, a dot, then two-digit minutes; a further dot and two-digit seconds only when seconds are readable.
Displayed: 8.27
